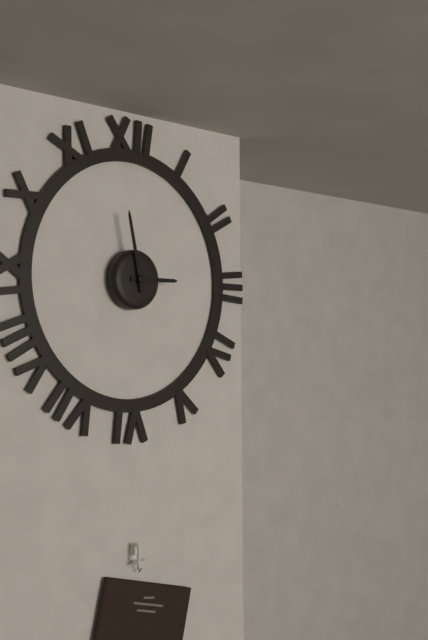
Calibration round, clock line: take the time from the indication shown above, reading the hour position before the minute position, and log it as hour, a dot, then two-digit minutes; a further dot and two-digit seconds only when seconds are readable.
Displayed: 2.58
